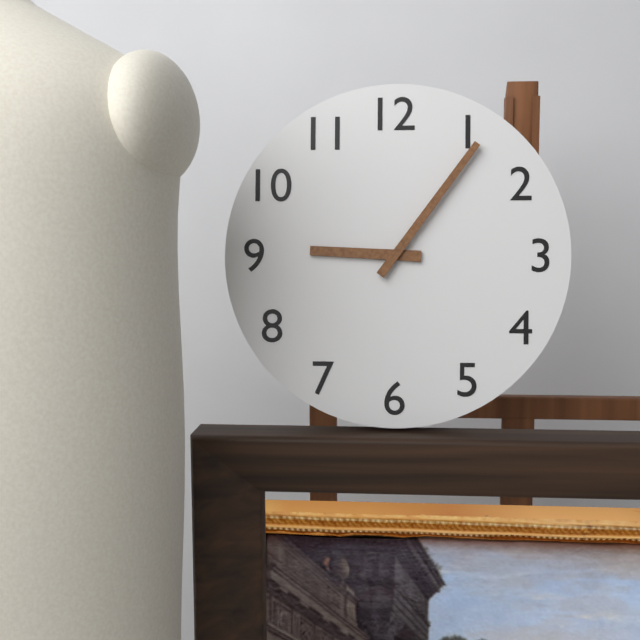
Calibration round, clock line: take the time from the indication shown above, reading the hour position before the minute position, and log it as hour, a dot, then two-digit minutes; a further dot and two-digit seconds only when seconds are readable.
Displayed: 9.06
